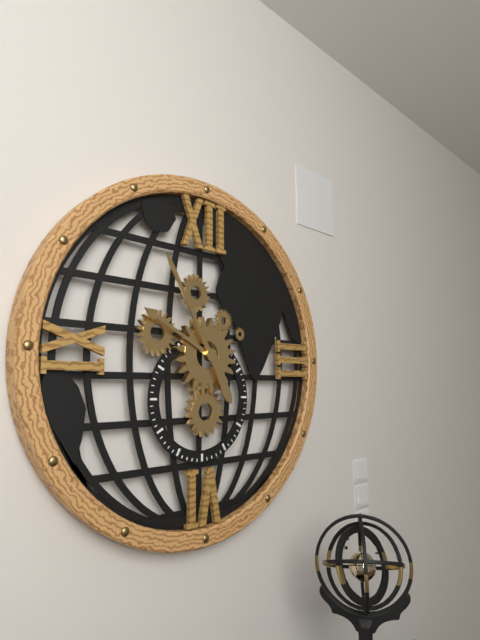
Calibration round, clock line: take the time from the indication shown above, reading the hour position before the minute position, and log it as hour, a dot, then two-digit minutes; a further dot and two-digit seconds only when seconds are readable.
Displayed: 9.55
